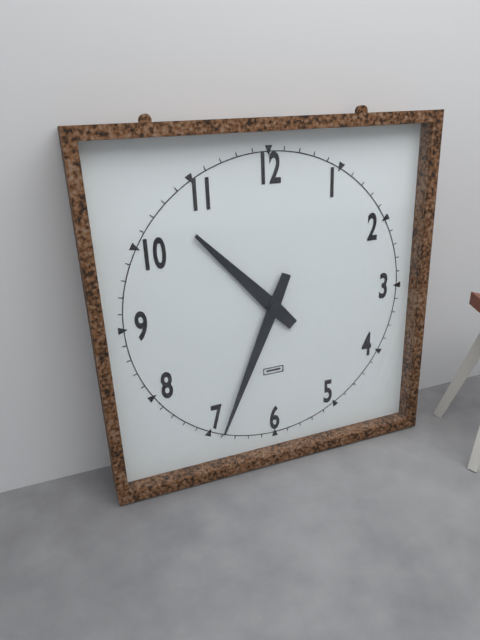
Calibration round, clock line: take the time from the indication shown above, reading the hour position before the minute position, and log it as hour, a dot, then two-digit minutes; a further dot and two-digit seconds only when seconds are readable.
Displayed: 10.34
